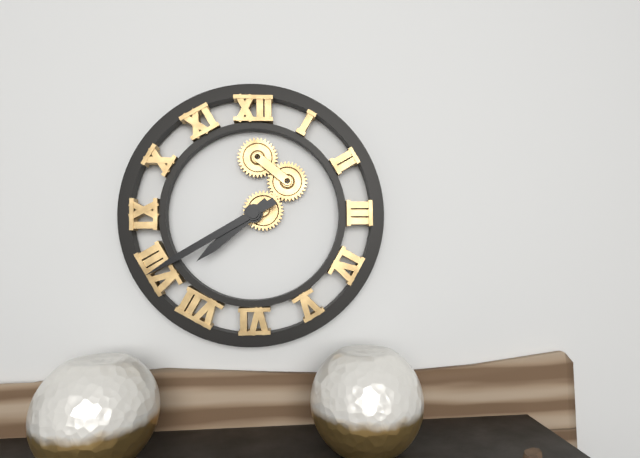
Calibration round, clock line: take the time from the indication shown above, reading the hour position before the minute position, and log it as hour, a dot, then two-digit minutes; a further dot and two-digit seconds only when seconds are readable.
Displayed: 7.40
